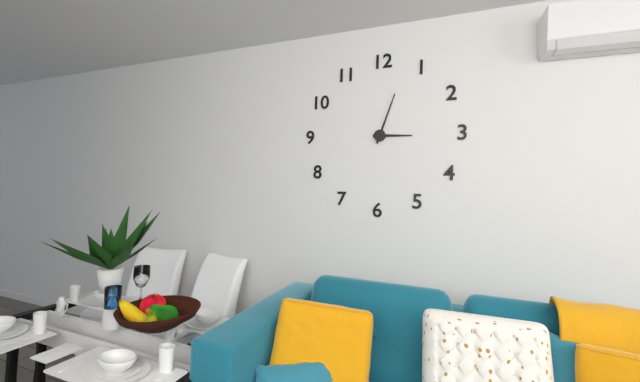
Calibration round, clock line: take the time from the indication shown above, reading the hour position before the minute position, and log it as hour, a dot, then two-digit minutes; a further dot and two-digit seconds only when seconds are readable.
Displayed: 3.03
